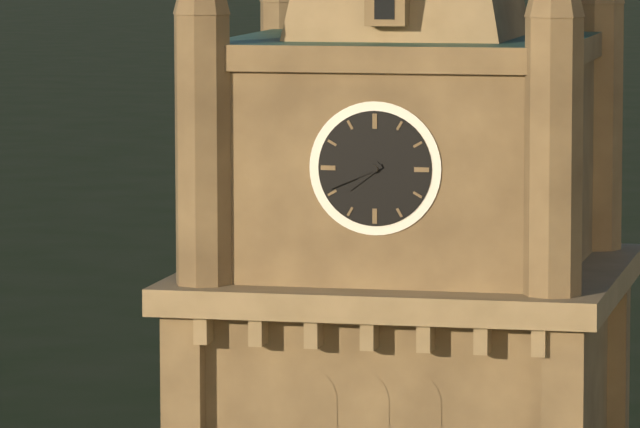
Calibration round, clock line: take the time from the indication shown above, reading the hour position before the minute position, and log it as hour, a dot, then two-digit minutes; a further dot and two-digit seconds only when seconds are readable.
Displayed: 7.41
